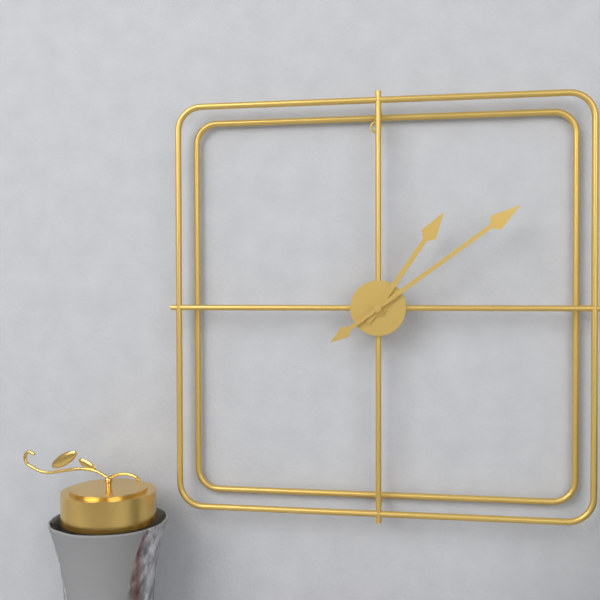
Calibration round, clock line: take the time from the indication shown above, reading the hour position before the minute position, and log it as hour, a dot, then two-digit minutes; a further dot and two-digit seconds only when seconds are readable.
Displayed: 1.09
